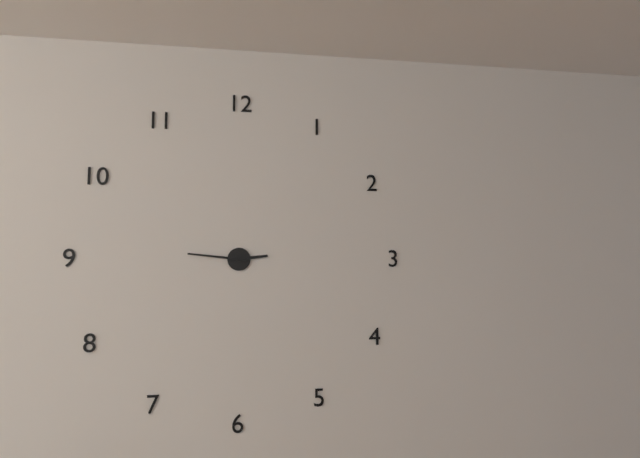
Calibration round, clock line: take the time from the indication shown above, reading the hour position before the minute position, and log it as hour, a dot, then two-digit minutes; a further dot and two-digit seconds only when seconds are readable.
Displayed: 2.46
